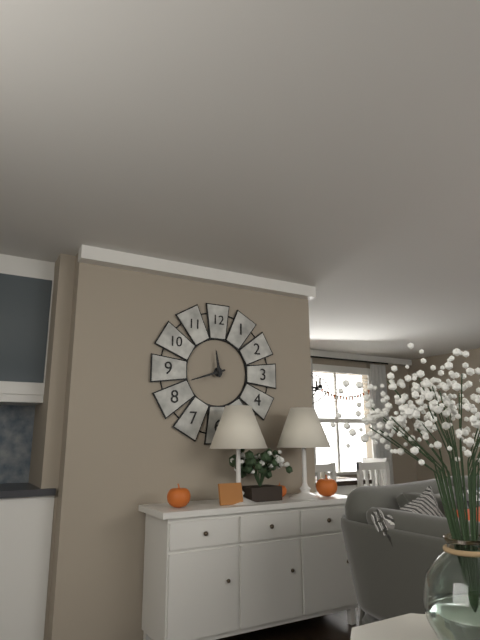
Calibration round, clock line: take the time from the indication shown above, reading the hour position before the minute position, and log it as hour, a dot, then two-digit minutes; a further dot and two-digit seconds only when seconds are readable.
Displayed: 11.42
